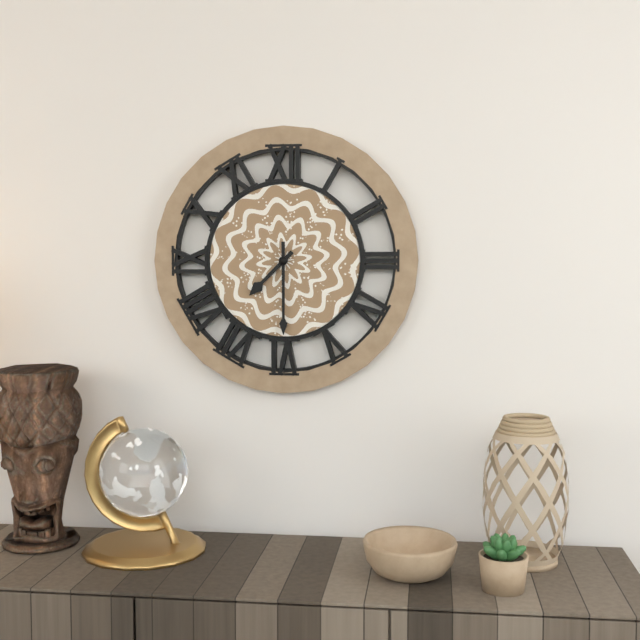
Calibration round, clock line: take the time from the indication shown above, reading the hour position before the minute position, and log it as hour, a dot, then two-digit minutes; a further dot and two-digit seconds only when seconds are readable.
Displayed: 7.30
